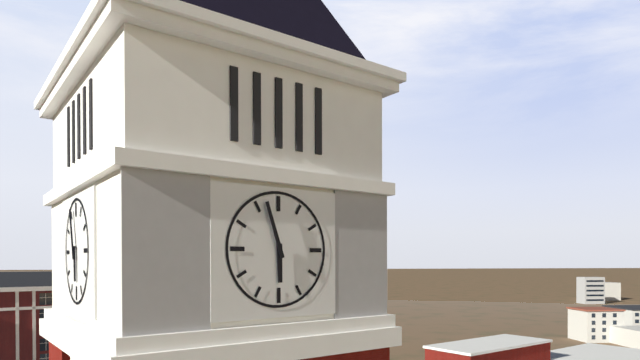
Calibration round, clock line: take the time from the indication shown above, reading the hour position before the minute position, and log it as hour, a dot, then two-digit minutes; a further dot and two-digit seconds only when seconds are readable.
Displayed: 5.57
